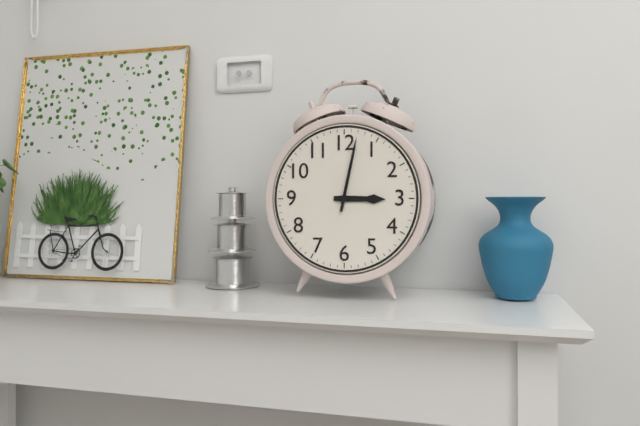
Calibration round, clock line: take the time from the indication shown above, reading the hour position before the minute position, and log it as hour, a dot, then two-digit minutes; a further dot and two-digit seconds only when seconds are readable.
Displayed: 3.02
